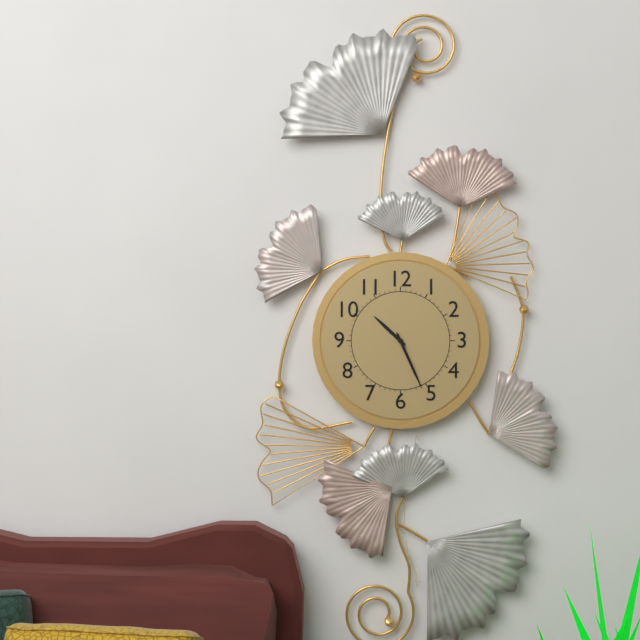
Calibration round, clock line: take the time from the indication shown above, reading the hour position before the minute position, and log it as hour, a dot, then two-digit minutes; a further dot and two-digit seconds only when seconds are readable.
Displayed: 10.26
